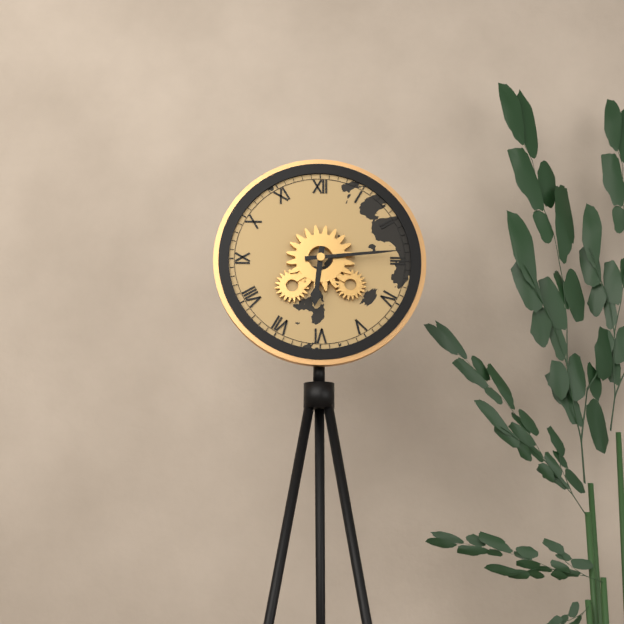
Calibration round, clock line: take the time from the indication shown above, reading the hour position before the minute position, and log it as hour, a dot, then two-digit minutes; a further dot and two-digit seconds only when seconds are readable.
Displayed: 6.14
